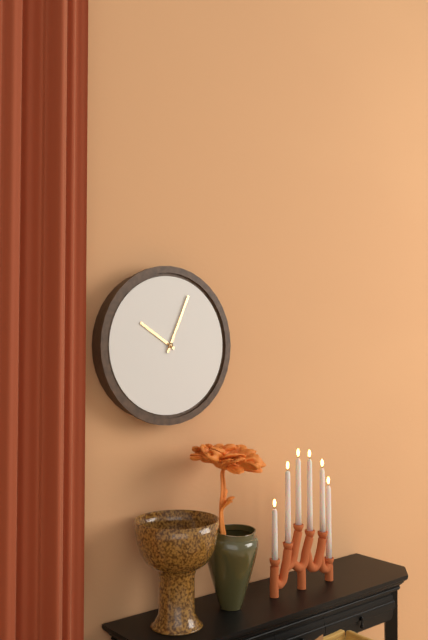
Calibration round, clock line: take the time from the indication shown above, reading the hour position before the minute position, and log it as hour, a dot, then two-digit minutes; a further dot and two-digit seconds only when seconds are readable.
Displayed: 10.04
